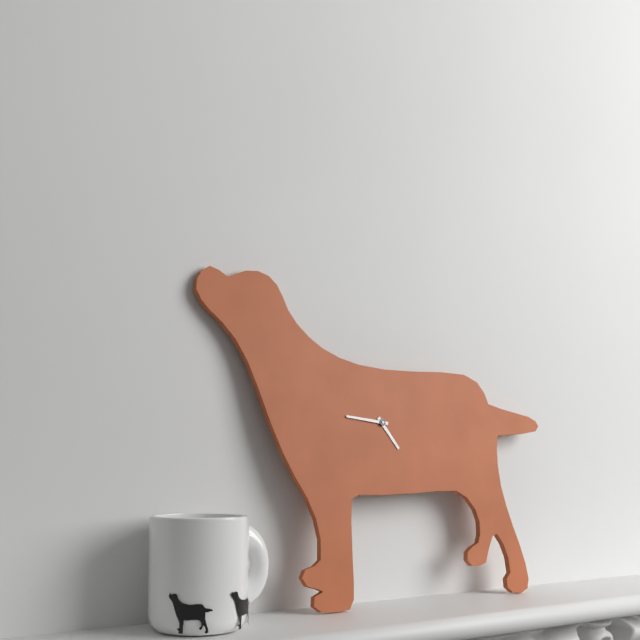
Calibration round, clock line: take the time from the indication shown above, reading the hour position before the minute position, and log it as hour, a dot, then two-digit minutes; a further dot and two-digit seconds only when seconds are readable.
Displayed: 4.46
